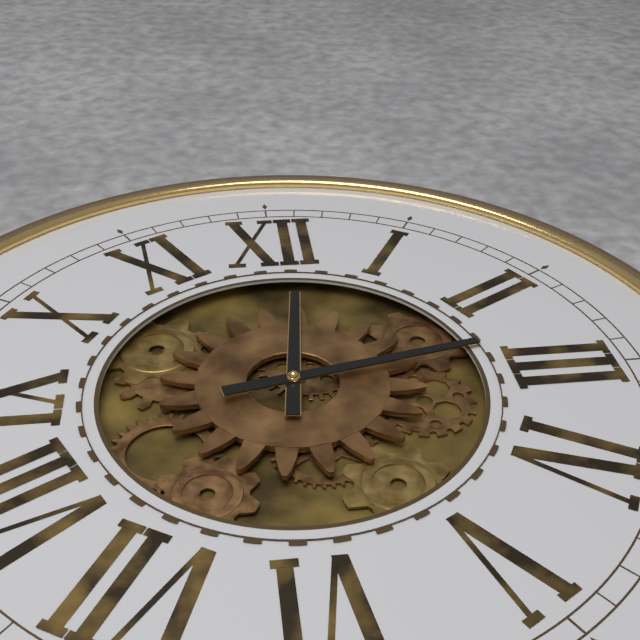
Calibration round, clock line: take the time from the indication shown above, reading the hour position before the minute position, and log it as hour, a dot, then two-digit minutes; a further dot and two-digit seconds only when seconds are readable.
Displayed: 12.13
